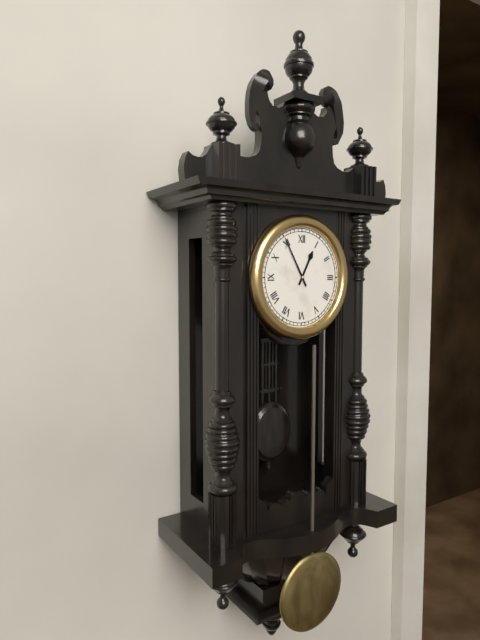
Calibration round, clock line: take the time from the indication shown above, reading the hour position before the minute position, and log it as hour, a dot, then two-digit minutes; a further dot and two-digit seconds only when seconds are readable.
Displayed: 12.55
